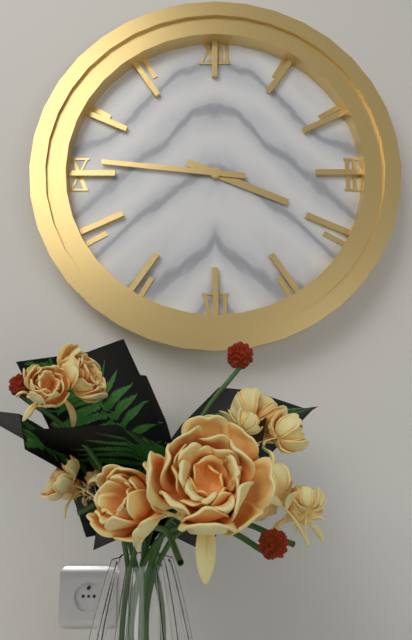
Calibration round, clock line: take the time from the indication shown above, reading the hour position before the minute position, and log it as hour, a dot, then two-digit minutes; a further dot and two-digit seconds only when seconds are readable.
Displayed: 3.46
